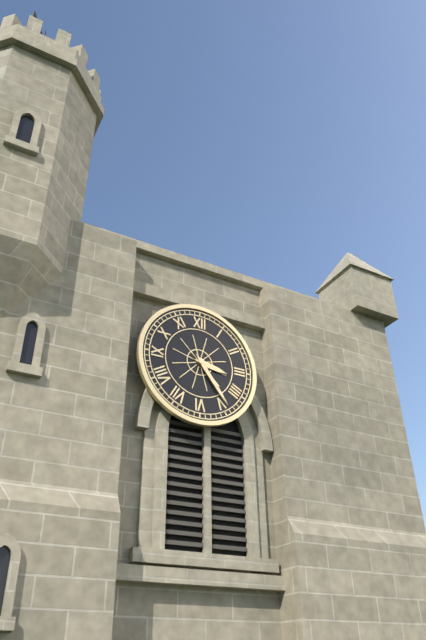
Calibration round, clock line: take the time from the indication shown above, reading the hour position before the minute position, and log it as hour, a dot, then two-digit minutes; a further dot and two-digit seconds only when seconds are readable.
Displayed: 3.24
